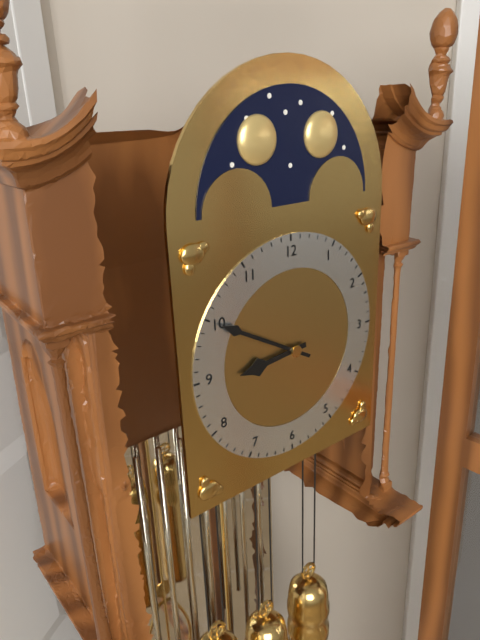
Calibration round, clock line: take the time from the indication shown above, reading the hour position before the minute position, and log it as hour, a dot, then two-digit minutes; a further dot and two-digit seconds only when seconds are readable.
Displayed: 8.50
